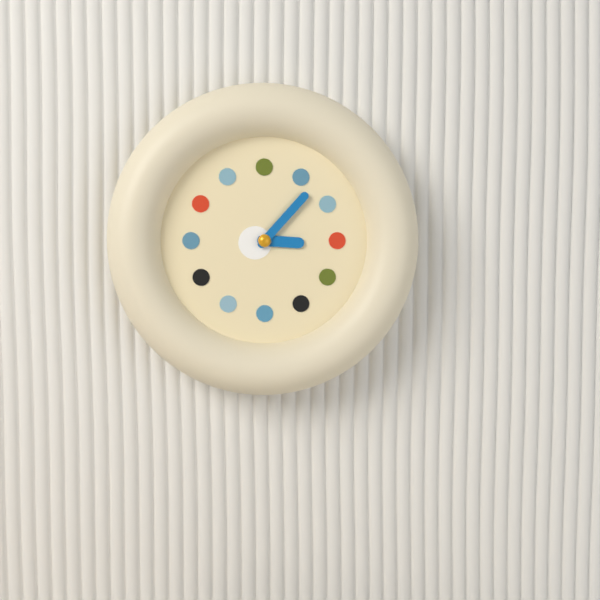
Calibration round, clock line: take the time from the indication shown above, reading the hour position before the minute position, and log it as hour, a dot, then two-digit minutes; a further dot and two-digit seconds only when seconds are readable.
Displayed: 3.07
